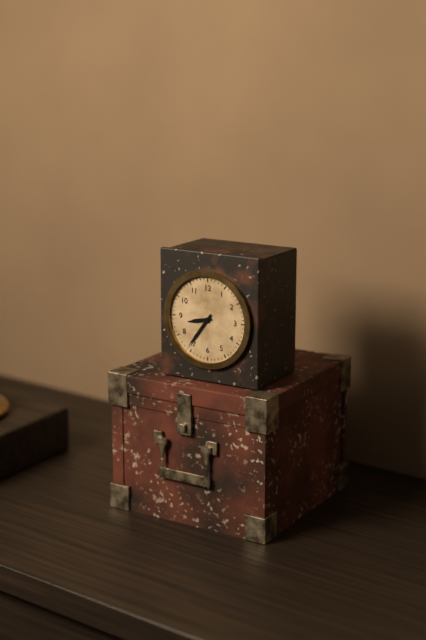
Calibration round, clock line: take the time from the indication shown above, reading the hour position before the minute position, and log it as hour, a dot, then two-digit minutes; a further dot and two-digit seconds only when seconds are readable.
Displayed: 8.36
